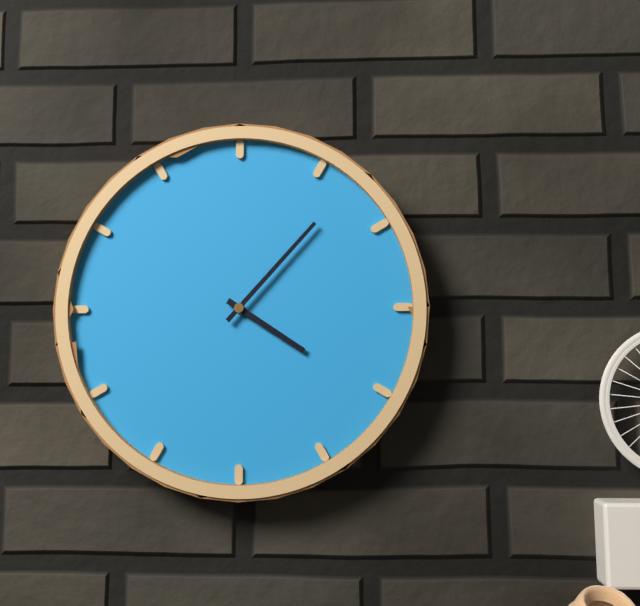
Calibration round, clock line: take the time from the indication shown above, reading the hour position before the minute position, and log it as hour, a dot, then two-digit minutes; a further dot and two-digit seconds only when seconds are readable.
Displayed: 4.07
